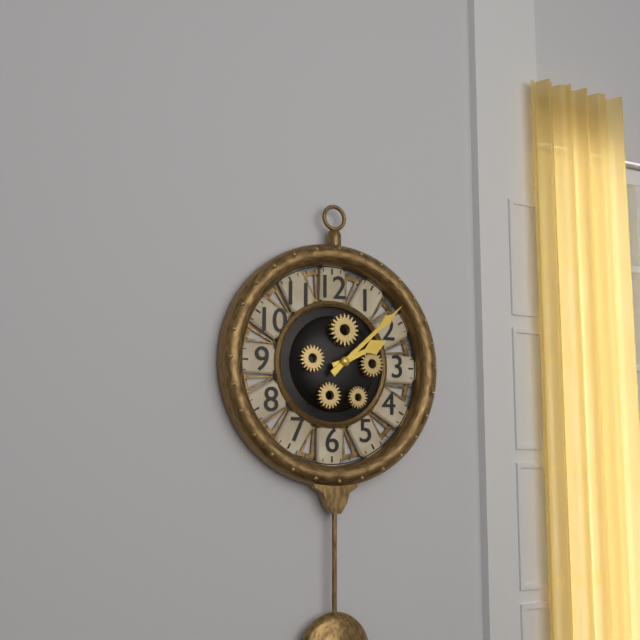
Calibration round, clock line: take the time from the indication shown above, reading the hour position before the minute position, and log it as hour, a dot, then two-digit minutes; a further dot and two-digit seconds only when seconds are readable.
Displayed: 2.08
